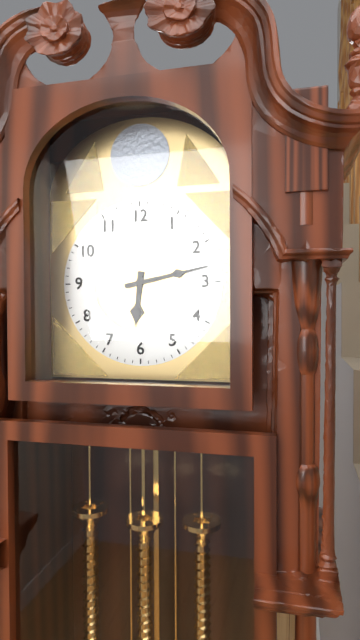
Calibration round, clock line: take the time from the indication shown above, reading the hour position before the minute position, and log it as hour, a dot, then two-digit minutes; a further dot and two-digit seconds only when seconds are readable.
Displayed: 6.13
